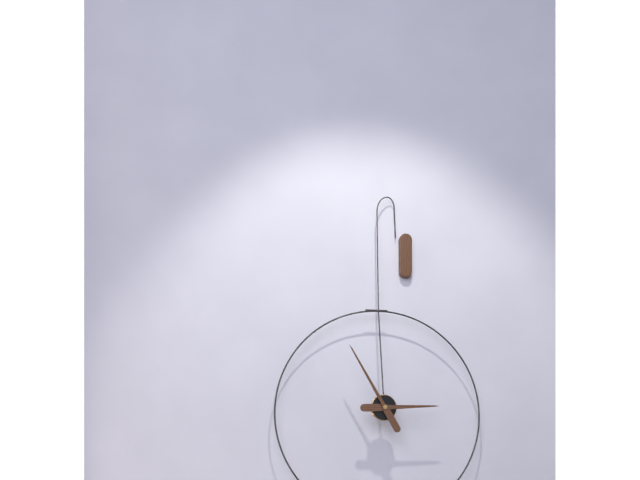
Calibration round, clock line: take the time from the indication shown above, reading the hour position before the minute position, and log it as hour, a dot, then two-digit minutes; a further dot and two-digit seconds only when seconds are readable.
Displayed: 2.55
